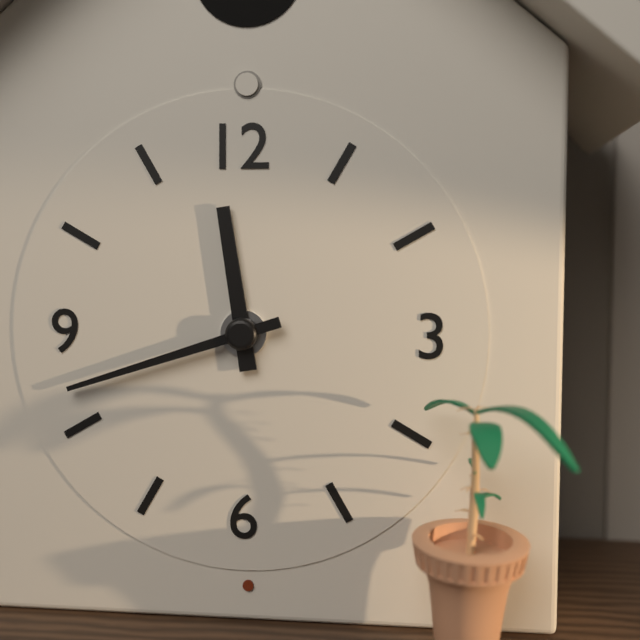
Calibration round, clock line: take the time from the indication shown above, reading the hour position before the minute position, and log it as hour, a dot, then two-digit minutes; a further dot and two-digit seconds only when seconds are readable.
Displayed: 11.42
